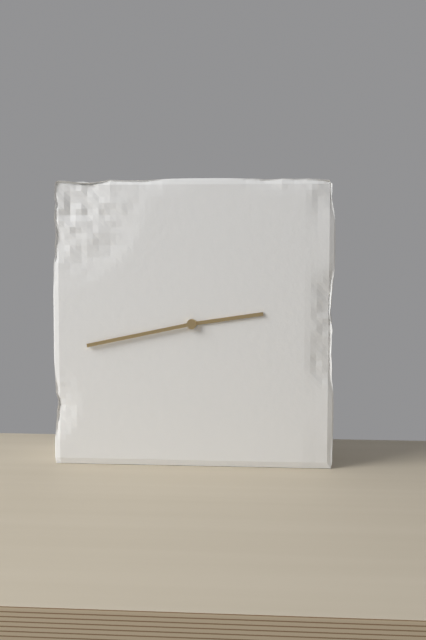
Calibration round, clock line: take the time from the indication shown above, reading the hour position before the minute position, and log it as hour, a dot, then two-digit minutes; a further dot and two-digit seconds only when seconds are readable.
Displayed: 2.43
